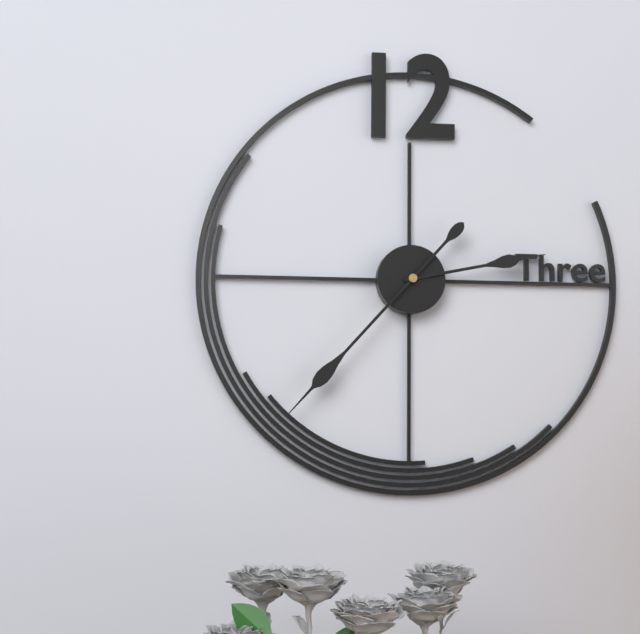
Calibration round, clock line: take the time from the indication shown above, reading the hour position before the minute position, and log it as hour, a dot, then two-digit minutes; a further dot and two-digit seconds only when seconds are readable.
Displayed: 2.37
